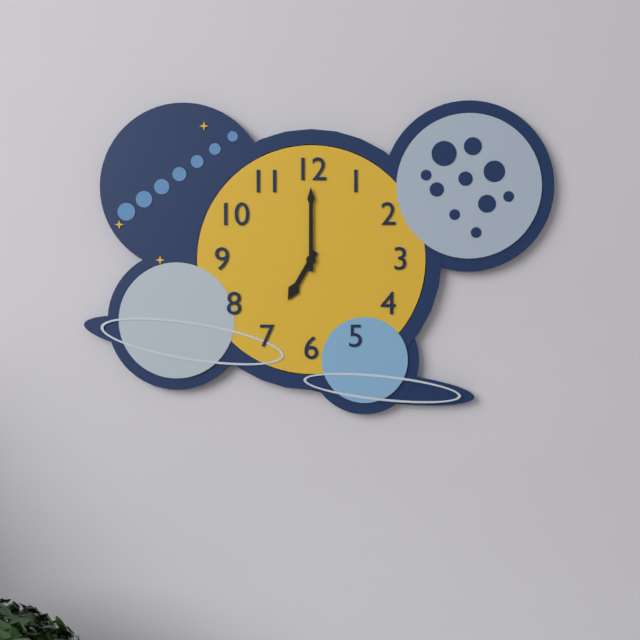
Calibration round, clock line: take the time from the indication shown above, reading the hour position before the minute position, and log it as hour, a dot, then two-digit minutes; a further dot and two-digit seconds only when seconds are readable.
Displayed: 7.00
